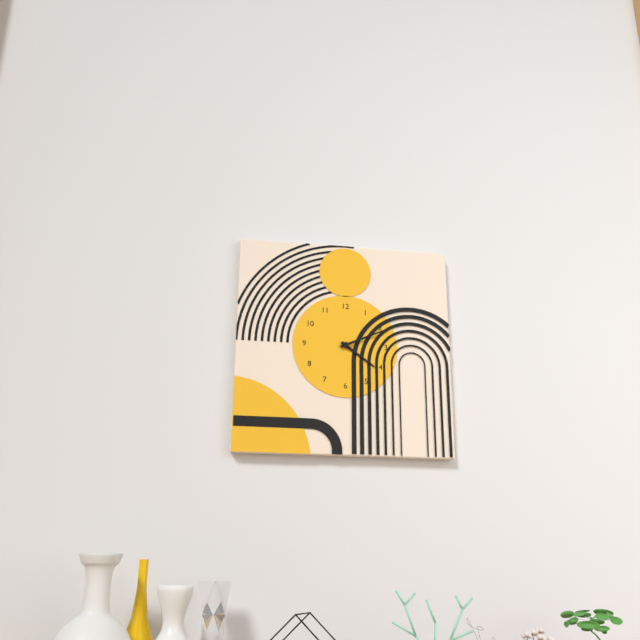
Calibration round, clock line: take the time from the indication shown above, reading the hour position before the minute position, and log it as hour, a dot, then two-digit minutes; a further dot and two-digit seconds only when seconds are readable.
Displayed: 4.11
